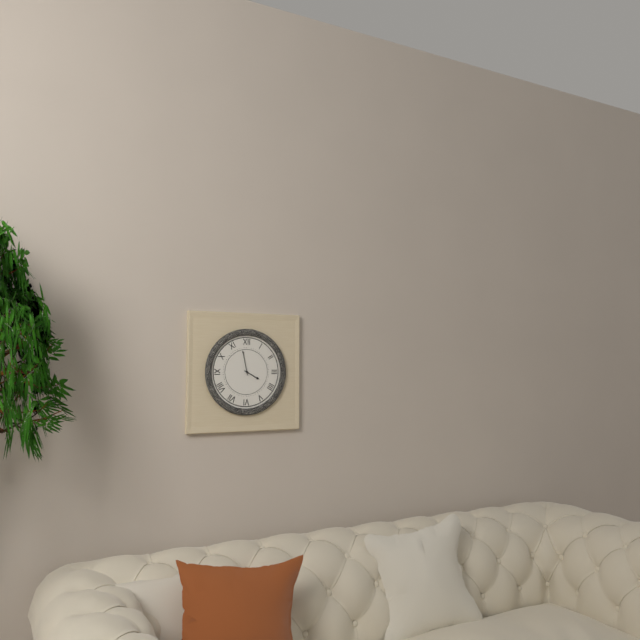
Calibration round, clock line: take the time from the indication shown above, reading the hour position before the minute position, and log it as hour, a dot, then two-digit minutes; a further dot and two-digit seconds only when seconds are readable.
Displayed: 3.58
